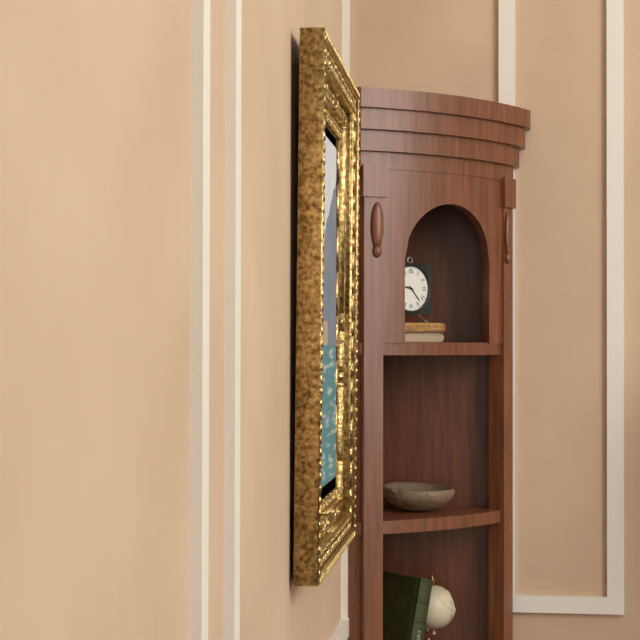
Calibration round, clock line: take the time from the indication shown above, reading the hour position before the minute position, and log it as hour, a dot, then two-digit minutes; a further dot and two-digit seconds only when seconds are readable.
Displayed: 9.23
